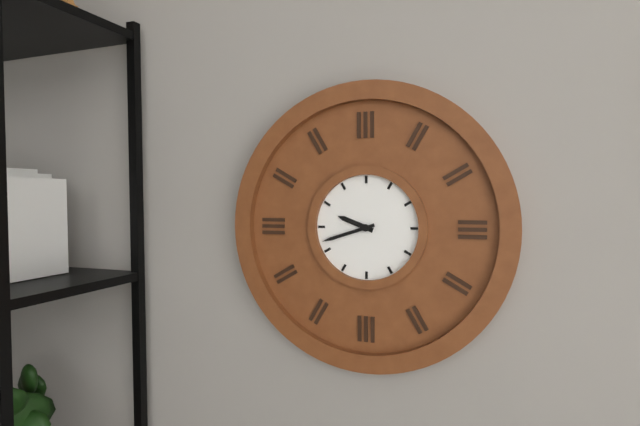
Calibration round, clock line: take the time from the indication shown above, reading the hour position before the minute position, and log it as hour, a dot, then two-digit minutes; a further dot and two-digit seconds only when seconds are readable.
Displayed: 9.42
